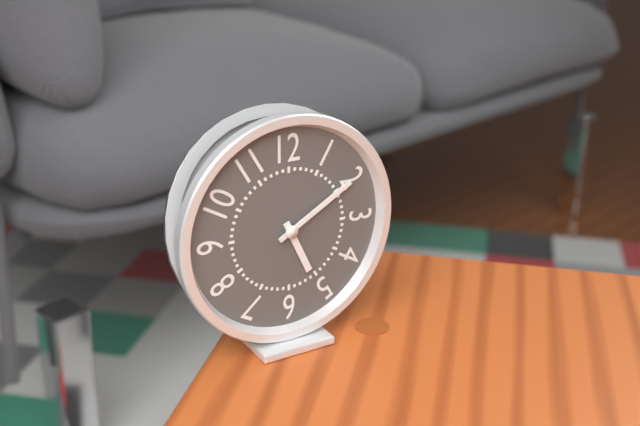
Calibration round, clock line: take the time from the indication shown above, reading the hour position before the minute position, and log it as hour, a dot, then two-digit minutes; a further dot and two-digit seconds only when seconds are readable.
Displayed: 5.10
